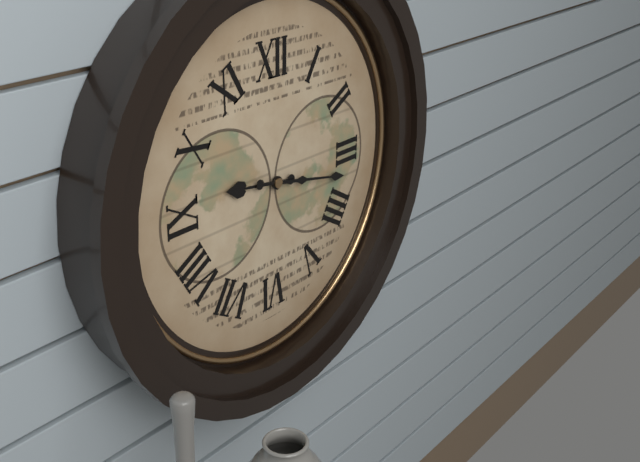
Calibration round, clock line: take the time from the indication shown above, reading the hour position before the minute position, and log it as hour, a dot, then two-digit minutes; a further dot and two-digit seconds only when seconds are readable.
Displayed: 9.17
